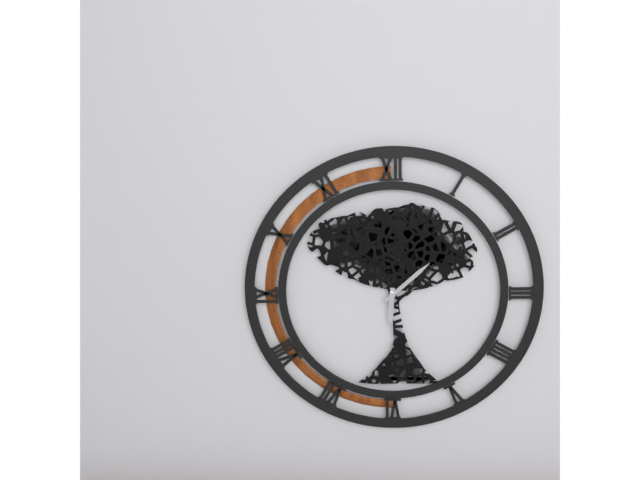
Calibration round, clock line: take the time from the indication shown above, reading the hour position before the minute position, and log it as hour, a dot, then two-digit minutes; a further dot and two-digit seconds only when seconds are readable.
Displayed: 6.08
